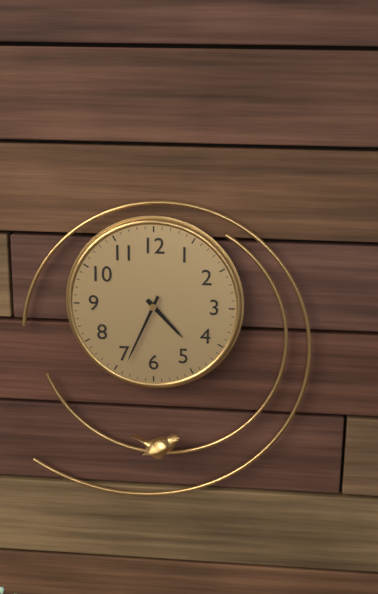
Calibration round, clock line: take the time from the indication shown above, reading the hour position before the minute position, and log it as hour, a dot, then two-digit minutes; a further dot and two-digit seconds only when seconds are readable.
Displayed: 4.34
